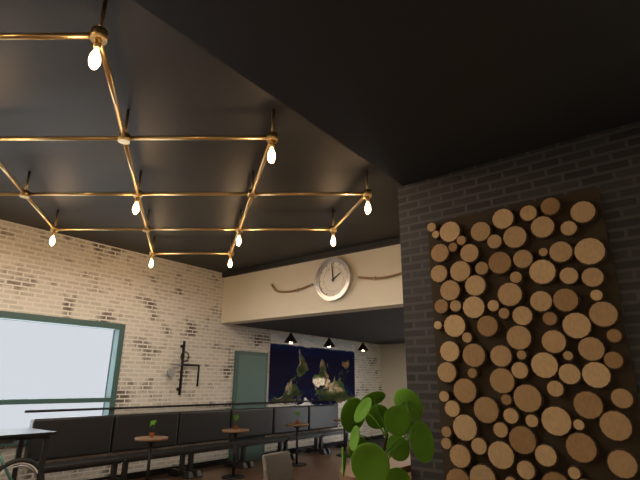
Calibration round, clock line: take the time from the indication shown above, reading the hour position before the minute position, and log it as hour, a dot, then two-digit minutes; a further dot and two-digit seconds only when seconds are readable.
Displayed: 1.59
